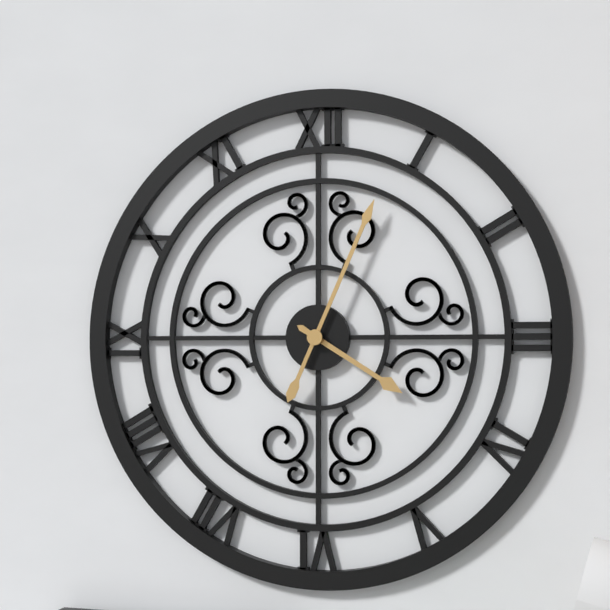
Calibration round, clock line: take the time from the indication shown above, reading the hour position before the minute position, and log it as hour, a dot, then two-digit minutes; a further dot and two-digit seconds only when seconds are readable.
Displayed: 4.04
